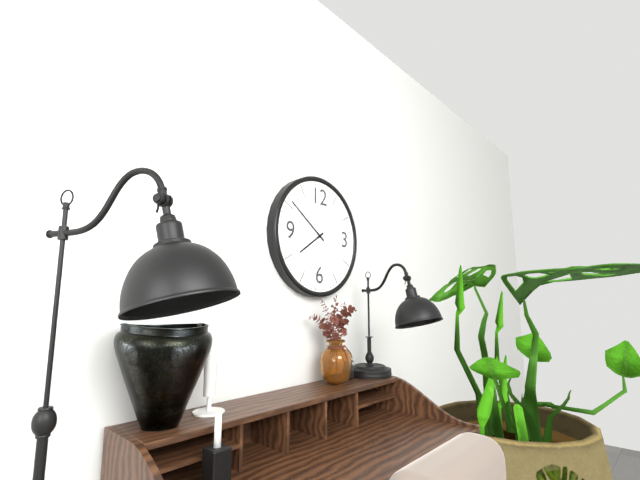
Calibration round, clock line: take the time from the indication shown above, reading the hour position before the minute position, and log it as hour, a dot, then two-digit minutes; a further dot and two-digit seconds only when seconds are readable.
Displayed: 7.51
